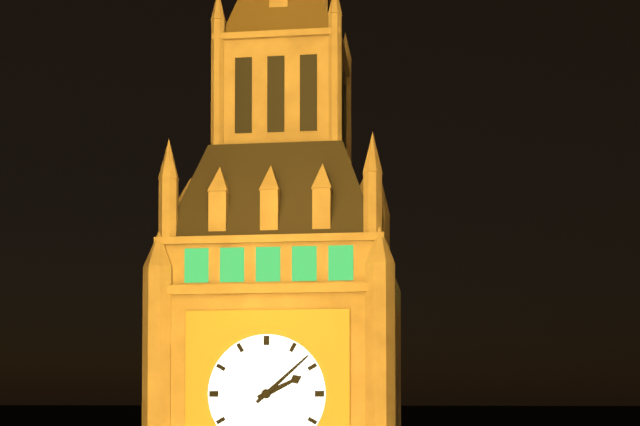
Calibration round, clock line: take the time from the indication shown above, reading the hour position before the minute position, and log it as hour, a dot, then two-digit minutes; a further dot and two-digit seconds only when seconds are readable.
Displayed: 2.08
